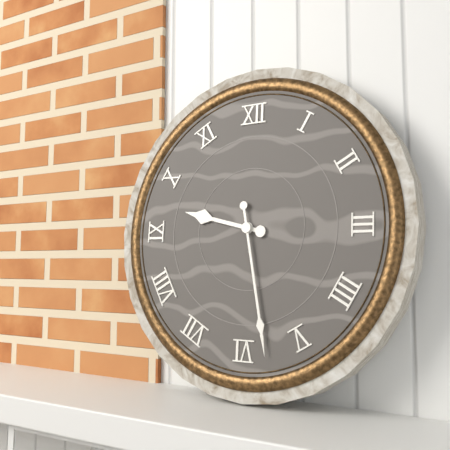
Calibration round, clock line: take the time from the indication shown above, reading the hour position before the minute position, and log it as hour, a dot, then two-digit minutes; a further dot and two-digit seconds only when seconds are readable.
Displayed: 9.28
